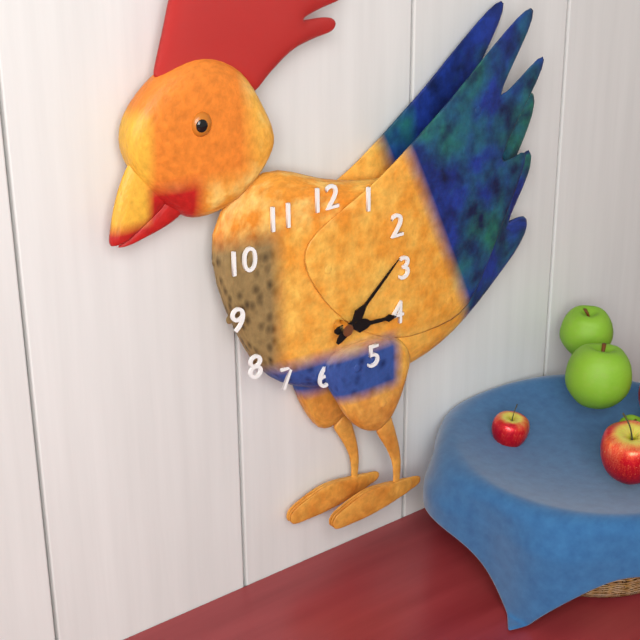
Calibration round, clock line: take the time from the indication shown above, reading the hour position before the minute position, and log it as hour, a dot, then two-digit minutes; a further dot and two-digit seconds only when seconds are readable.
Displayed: 3.08
